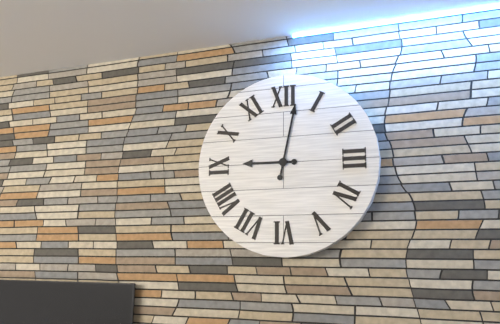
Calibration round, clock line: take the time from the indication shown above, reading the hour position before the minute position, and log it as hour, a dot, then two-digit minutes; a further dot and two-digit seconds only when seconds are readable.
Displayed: 9.02
